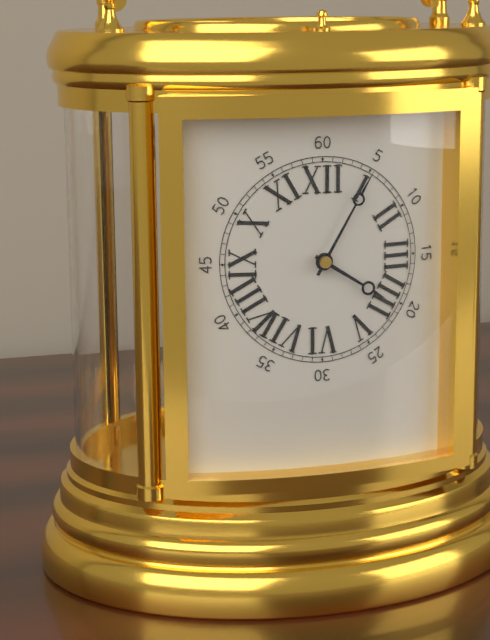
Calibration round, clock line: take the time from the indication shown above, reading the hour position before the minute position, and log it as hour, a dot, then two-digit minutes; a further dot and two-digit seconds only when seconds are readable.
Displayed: 4.05
